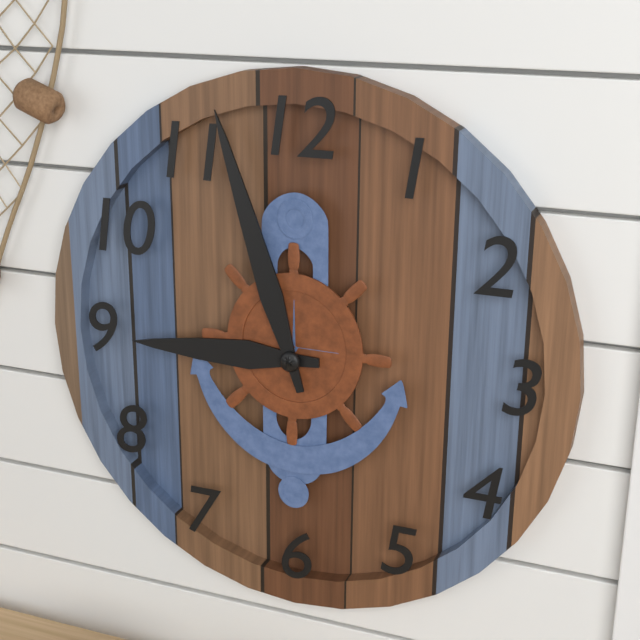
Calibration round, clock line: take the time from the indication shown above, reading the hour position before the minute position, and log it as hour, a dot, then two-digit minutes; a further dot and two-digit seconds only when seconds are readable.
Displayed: 8.57
